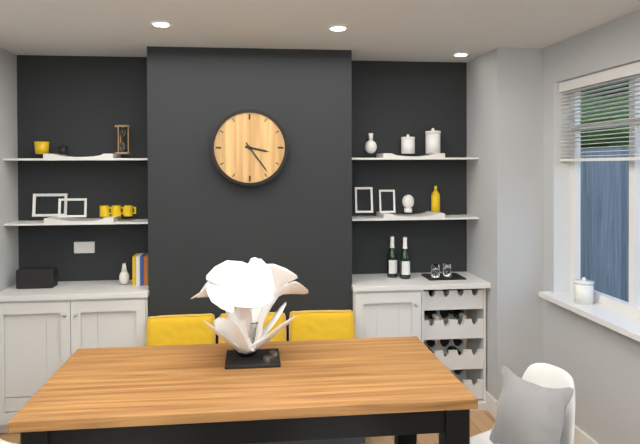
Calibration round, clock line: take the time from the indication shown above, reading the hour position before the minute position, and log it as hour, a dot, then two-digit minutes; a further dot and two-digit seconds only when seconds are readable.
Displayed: 3.24
